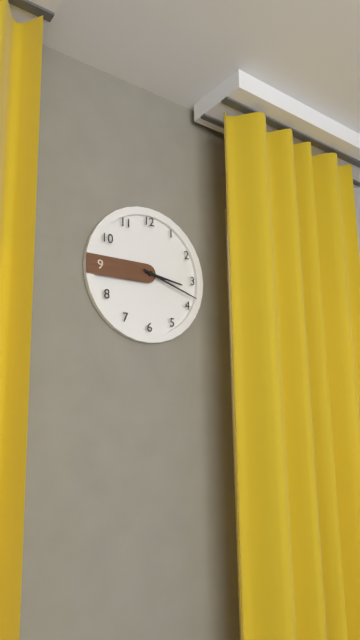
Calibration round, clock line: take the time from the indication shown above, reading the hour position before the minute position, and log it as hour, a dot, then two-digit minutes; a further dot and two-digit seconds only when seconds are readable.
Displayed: 3.18
